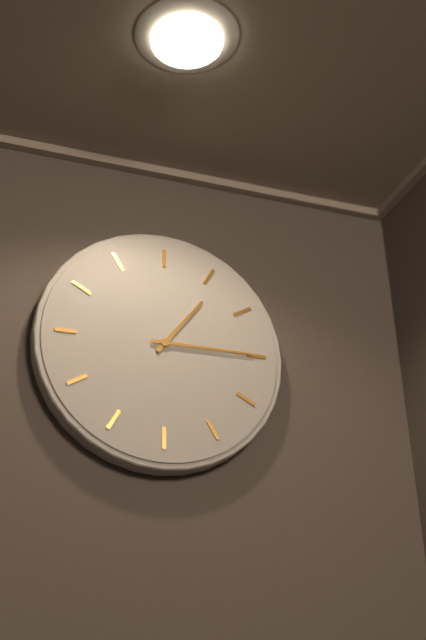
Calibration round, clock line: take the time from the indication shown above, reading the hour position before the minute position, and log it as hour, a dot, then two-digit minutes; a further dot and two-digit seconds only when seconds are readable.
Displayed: 1.15
